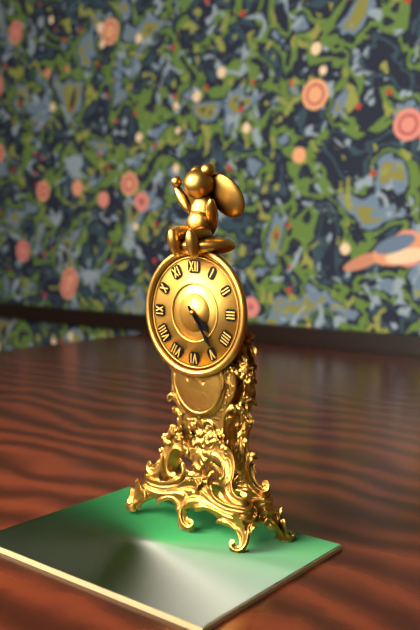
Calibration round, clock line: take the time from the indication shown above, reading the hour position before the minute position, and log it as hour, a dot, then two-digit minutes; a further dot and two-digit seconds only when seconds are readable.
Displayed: 4.24
